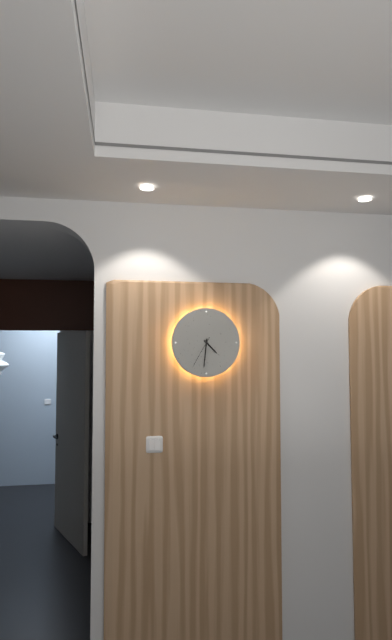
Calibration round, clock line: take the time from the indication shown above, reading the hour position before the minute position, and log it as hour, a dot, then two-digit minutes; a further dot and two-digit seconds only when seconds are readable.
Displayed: 4.31
